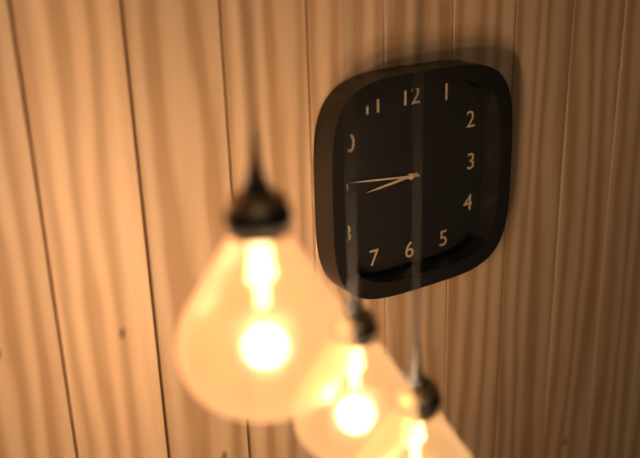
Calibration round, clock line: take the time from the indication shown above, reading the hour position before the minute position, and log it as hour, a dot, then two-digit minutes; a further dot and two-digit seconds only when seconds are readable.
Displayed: 8.46
